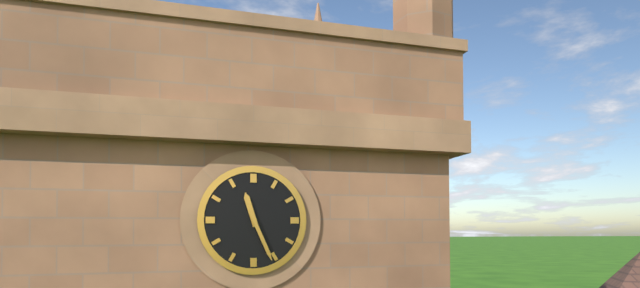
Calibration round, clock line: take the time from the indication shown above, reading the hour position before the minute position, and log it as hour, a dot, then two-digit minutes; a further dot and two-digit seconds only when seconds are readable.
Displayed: 11.26
